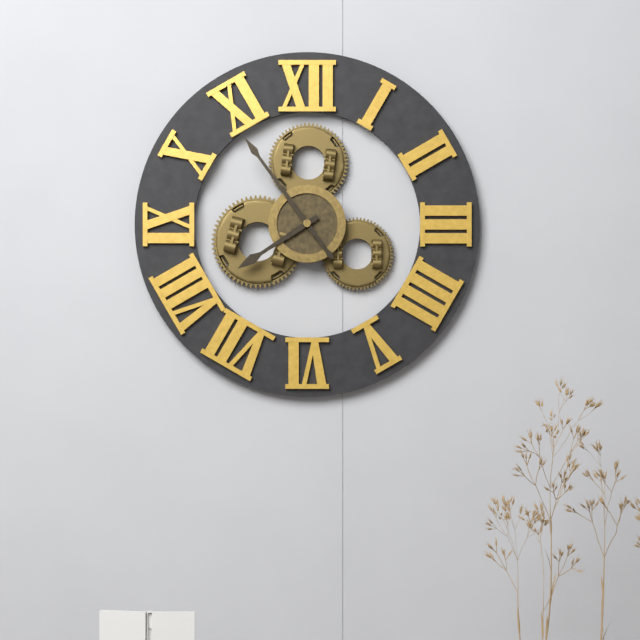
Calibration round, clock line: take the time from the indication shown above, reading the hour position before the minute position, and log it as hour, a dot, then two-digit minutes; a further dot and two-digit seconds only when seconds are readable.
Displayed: 7.54
